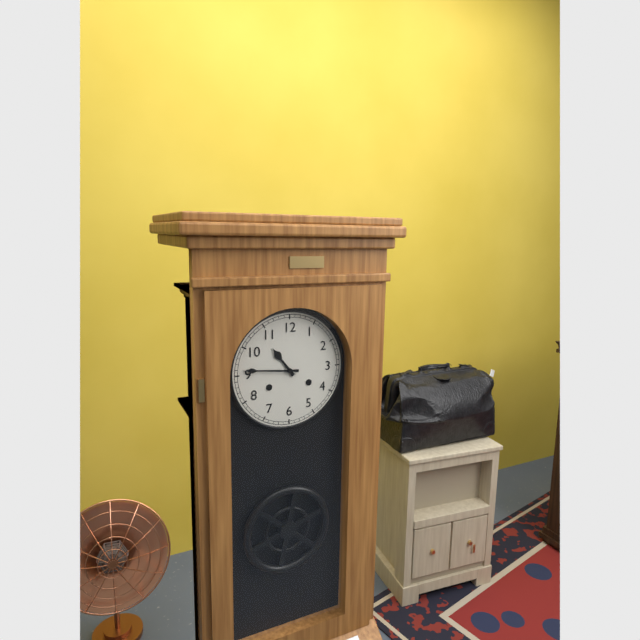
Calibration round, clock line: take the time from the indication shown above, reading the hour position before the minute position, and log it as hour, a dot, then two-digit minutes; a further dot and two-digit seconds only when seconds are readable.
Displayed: 10.46
